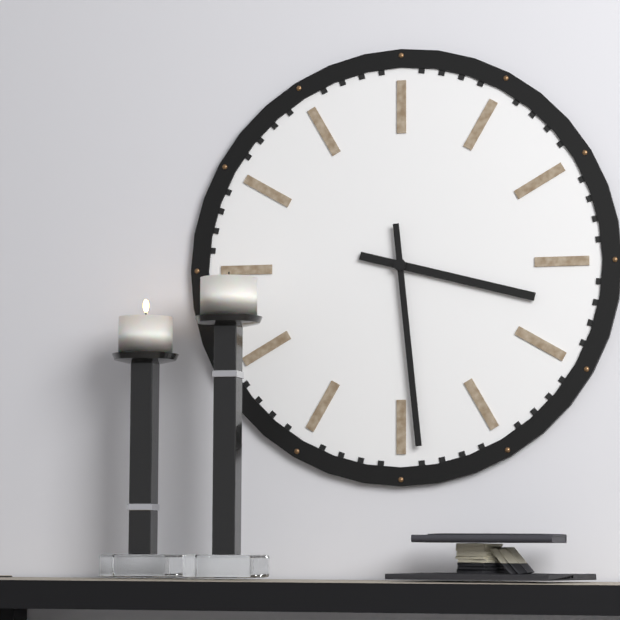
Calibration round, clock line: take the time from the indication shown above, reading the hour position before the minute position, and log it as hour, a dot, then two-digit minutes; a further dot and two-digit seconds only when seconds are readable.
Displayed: 3.29
